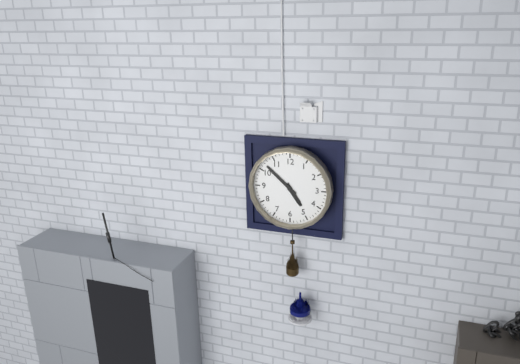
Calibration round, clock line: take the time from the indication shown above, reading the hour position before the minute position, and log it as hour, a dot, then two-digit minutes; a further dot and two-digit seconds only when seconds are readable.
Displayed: 4.52
